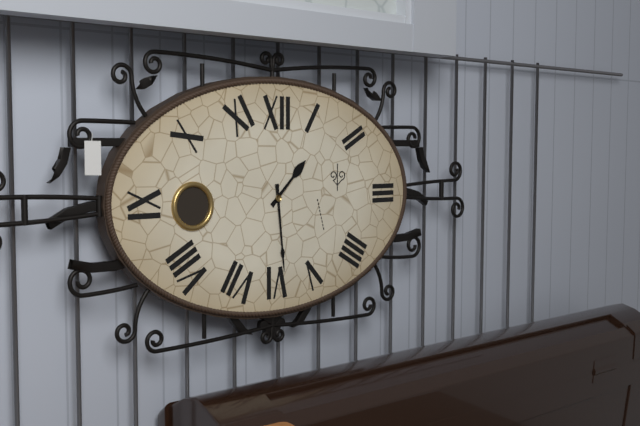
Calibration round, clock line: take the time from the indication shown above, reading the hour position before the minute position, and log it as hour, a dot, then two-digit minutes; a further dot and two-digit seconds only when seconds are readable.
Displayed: 1.29
